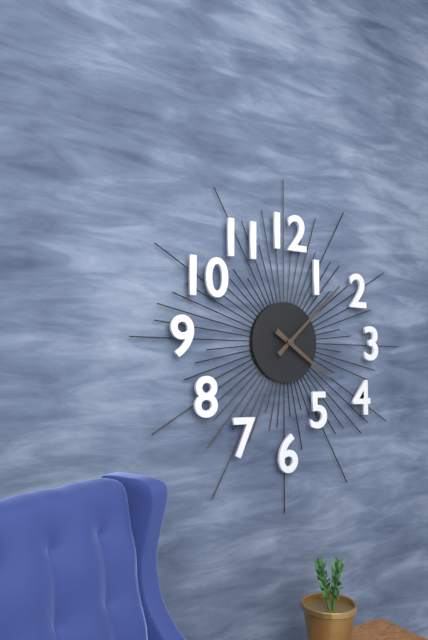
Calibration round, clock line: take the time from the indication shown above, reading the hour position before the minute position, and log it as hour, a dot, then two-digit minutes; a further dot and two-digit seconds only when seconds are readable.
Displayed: 4.08
